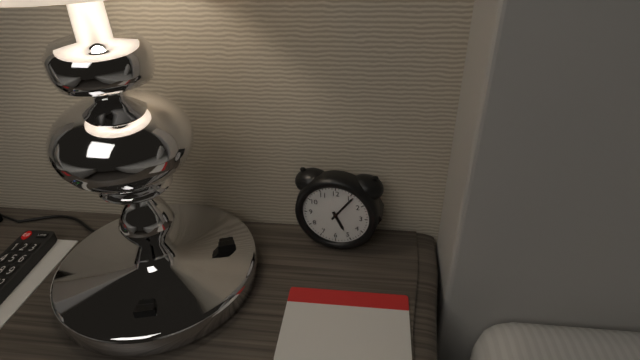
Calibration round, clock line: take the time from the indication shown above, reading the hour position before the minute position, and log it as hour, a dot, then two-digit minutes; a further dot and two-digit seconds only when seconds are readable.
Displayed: 5.06
